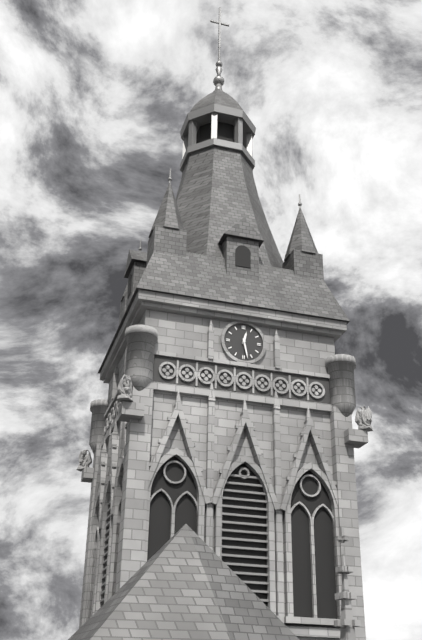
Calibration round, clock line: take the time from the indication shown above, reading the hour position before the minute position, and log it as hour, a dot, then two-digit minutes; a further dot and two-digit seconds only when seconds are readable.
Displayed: 12.28
